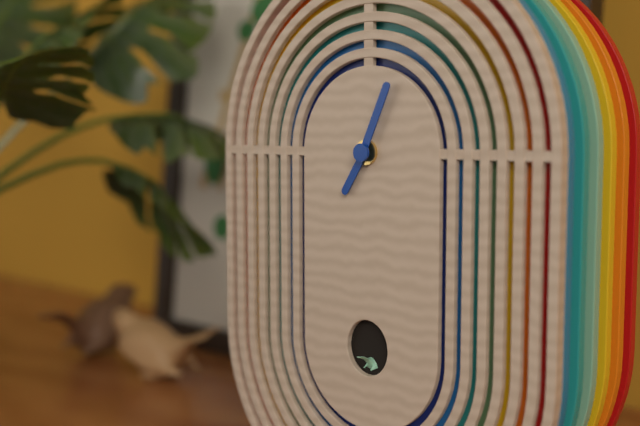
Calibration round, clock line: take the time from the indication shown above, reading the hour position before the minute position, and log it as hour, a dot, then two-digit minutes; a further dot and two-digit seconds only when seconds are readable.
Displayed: 7.04
